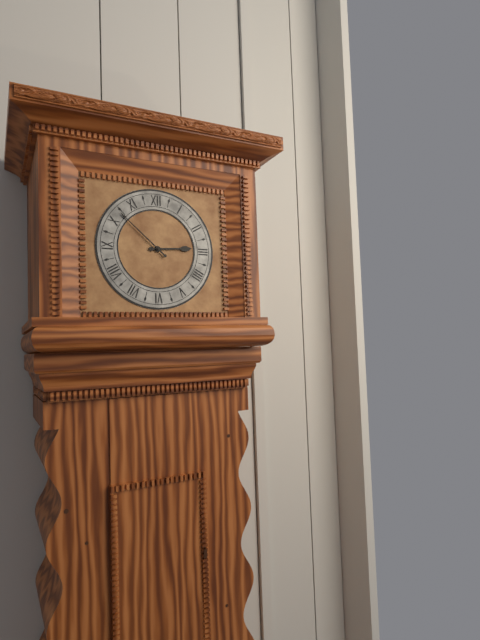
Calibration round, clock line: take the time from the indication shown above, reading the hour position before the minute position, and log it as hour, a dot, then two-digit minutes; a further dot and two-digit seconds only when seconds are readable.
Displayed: 2.52
